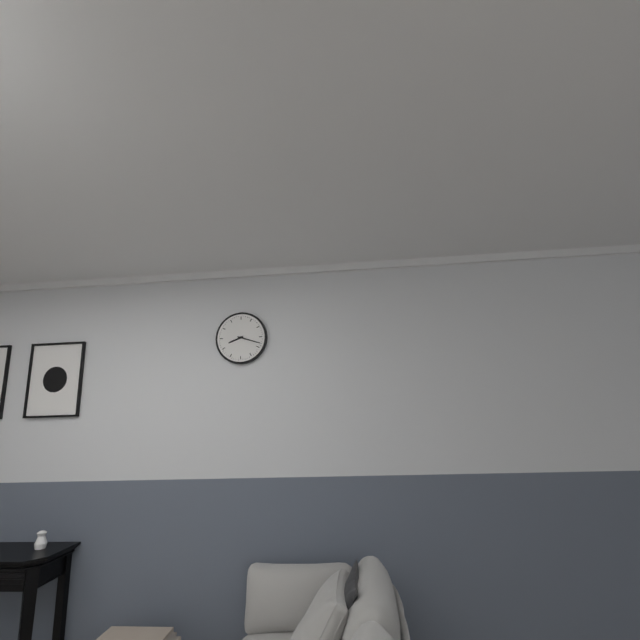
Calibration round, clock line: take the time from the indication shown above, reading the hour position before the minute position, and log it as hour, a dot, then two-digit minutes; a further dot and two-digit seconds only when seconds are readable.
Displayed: 8.18
